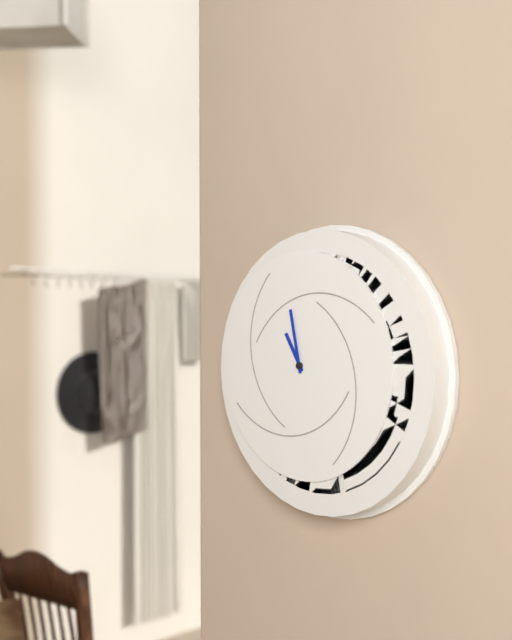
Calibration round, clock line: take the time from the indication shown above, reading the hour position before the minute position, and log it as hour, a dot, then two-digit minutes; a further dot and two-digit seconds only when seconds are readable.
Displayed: 10.58
